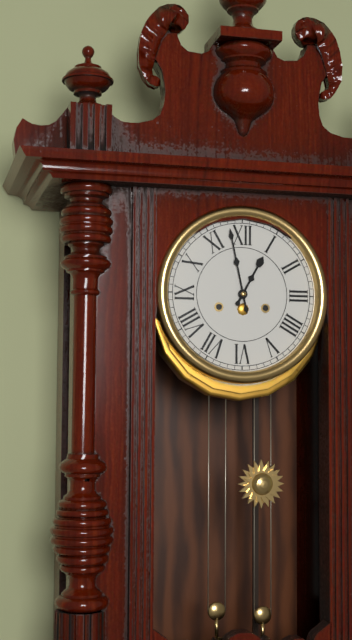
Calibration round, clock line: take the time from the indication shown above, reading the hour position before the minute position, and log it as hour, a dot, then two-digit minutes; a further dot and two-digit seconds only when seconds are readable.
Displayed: 12.58
